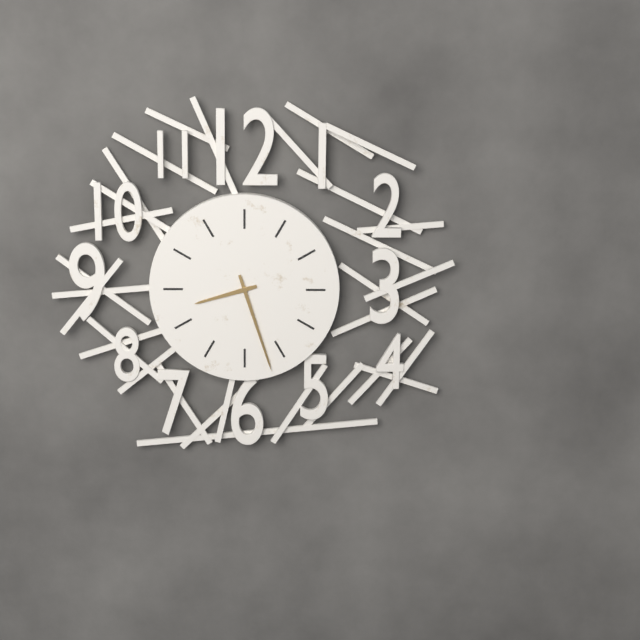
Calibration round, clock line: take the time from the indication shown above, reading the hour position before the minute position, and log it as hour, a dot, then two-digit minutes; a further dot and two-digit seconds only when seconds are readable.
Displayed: 8.27
